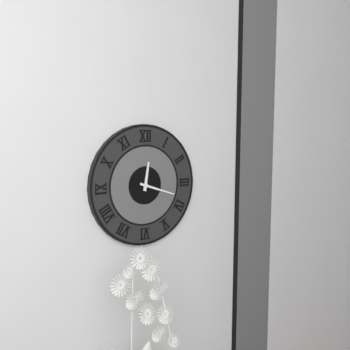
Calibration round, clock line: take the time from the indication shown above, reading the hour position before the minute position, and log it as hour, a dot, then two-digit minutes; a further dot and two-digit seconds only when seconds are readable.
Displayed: 12.18
